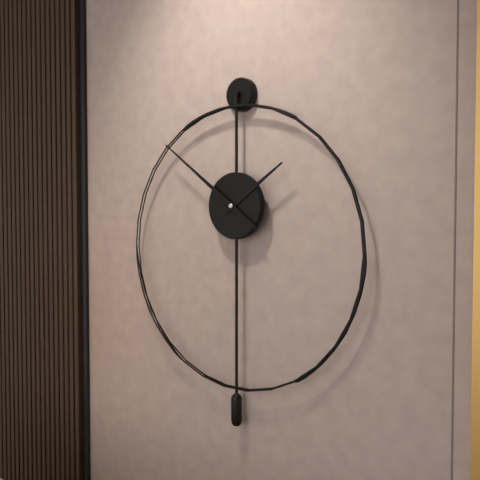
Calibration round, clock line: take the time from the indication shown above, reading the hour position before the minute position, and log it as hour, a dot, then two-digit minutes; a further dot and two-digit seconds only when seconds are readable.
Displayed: 1.51
